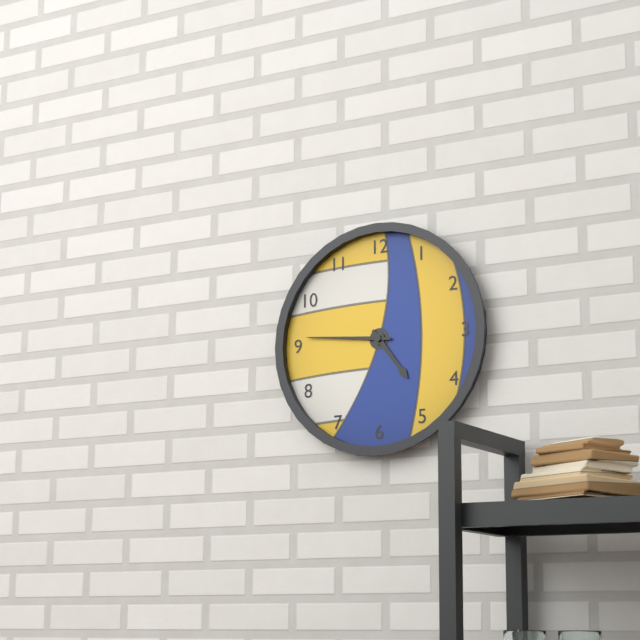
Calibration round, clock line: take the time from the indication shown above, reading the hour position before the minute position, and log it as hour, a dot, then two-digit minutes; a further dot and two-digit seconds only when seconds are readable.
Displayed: 4.46
